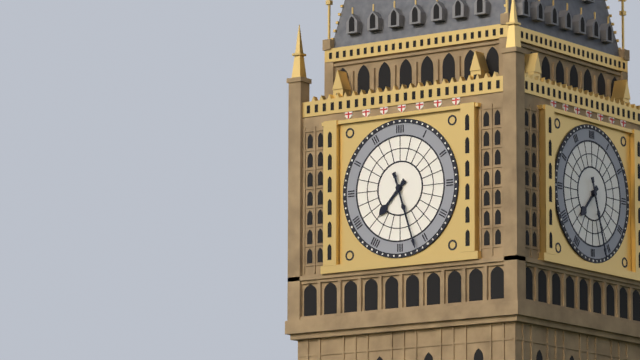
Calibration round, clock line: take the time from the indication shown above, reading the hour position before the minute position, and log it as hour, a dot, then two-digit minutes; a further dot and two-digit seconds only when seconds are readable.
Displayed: 7.27
